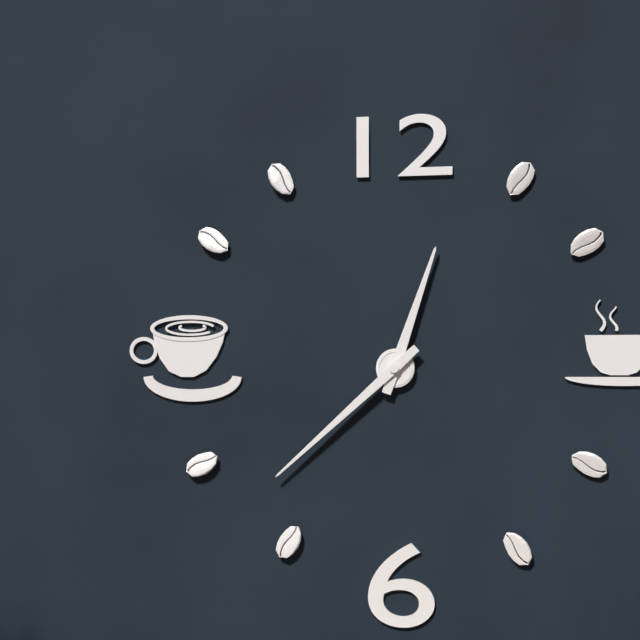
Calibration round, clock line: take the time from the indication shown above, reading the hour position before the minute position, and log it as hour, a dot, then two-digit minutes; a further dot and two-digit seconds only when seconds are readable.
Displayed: 12.38
